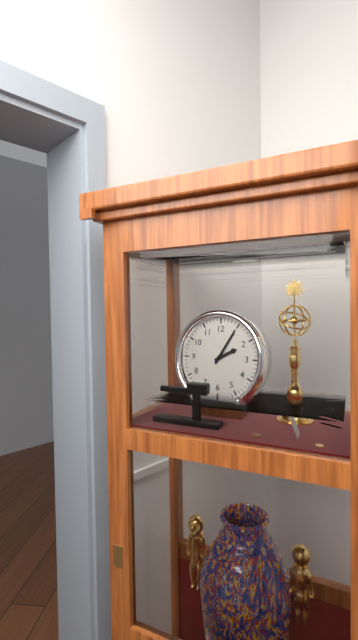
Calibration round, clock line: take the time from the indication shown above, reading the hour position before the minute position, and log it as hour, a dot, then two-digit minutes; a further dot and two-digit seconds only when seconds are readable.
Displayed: 2.05
